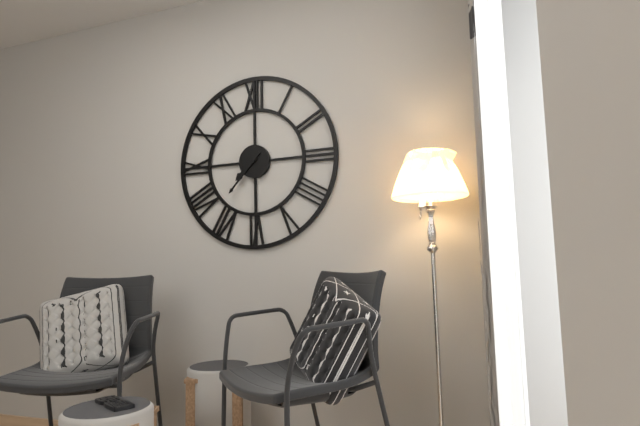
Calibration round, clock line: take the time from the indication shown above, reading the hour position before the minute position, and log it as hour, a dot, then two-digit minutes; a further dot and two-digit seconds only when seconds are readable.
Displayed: 7.37
